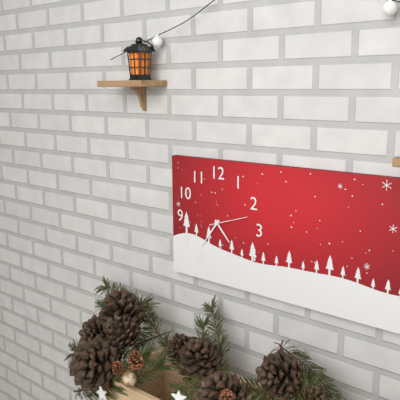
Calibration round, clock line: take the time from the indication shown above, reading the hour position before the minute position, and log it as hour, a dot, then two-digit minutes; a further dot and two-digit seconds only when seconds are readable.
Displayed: 4.36
